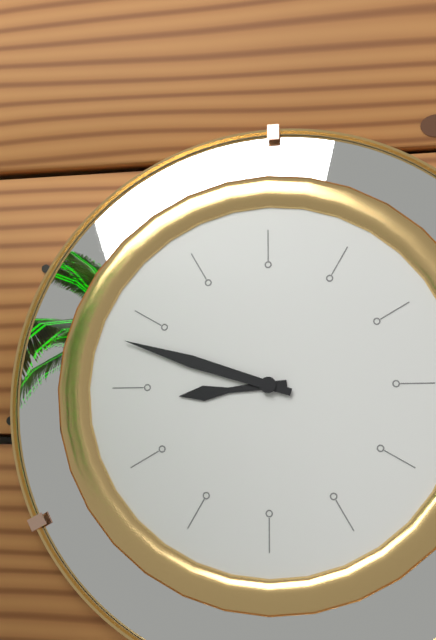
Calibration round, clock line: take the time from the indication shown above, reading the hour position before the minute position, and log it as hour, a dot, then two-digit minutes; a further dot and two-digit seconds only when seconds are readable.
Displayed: 8.48
